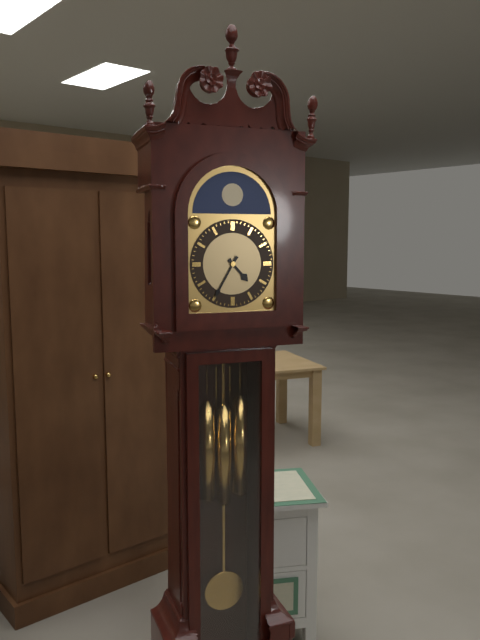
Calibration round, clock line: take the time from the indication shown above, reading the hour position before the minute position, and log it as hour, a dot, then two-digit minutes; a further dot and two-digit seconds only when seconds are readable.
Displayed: 4.35
